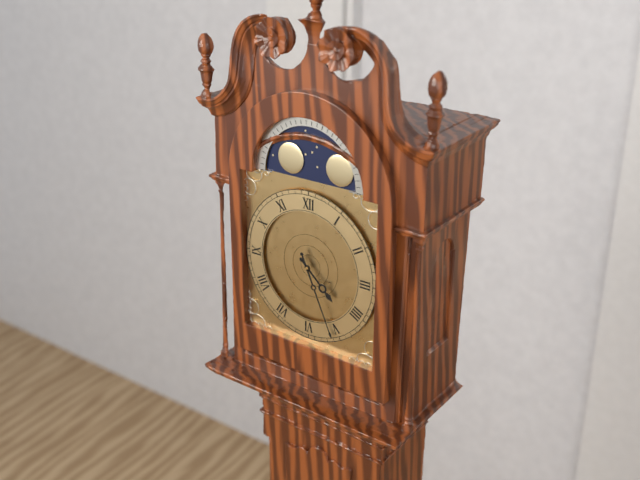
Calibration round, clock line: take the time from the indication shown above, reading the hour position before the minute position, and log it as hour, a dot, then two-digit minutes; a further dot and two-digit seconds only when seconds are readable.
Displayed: 4.26
